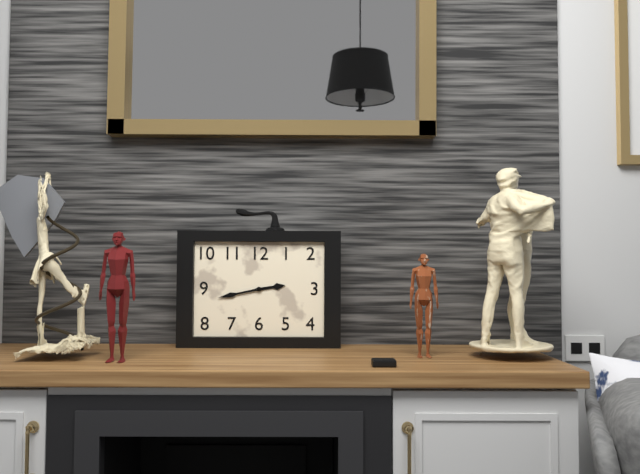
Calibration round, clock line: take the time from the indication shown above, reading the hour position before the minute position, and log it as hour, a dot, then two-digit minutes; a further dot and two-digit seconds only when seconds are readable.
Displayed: 2.43
